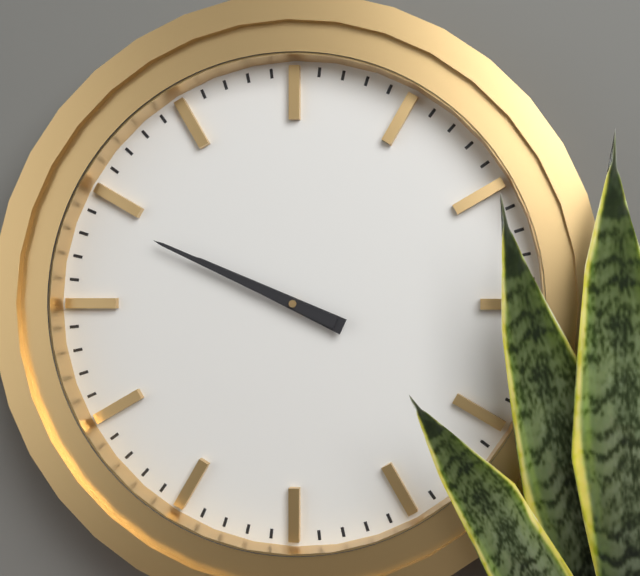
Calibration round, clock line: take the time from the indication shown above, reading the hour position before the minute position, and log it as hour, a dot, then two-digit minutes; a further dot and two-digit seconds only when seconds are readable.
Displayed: 9.49
